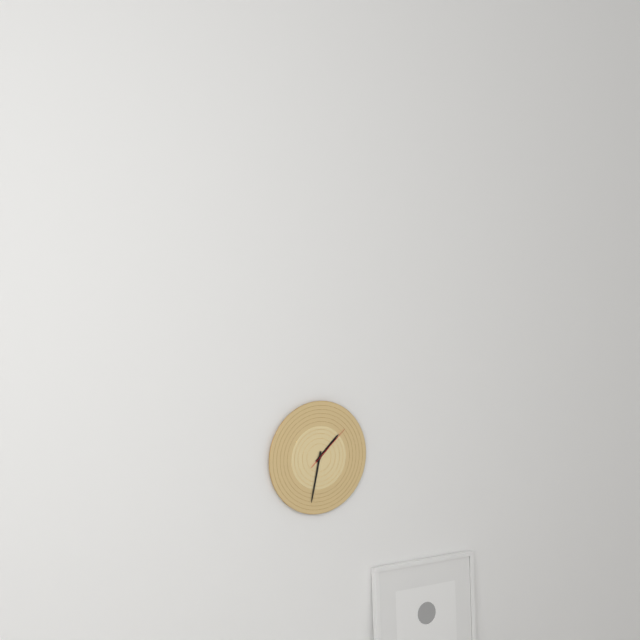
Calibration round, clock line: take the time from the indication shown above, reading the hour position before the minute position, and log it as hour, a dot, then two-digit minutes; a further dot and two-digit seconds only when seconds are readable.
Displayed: 1.32
